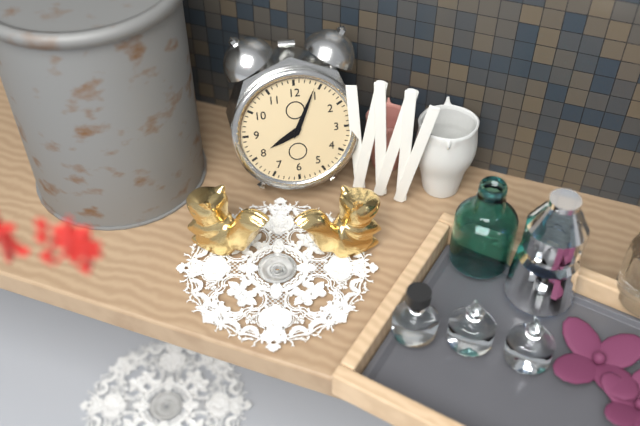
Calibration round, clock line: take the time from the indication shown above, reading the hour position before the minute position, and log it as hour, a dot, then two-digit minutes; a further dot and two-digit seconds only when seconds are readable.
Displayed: 8.04
